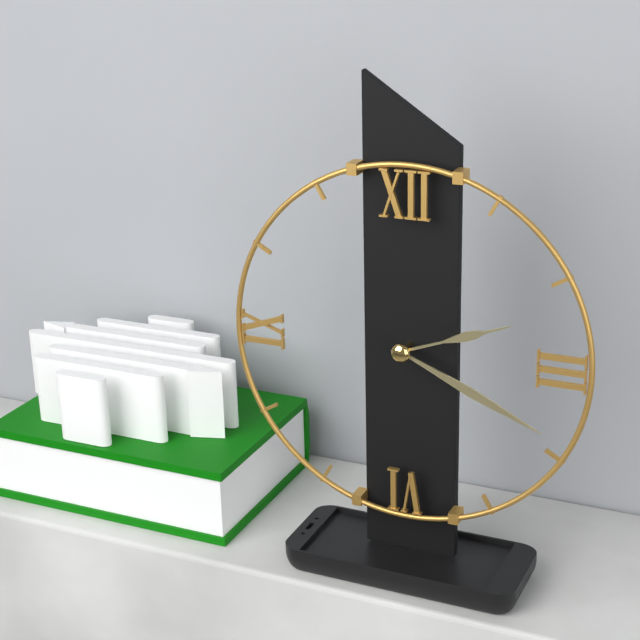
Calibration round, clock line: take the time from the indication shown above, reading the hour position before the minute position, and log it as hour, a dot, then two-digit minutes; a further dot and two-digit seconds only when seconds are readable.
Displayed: 2.19
